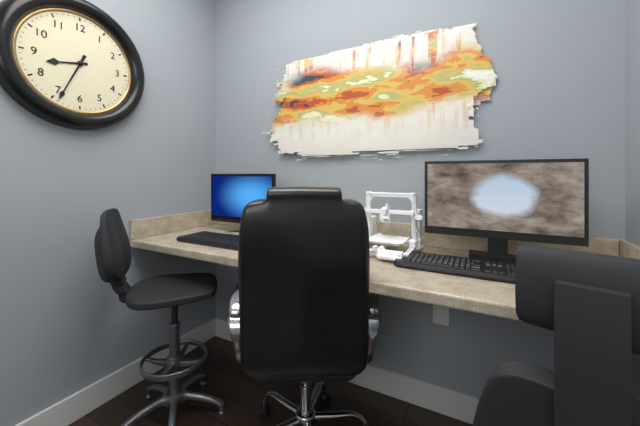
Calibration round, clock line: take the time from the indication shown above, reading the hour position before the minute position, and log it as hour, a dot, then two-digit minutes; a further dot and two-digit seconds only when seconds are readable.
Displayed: 8.34
